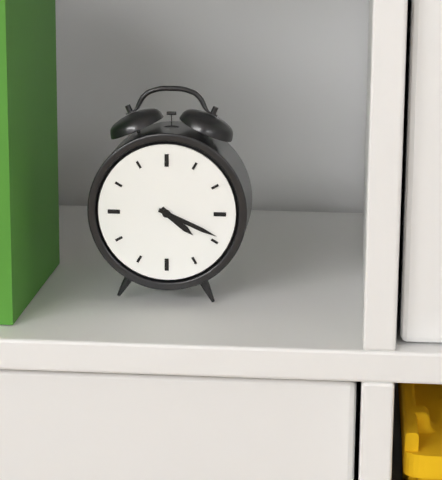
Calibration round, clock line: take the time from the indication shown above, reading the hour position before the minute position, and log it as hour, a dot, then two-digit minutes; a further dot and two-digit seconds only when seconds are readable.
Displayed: 4.19
